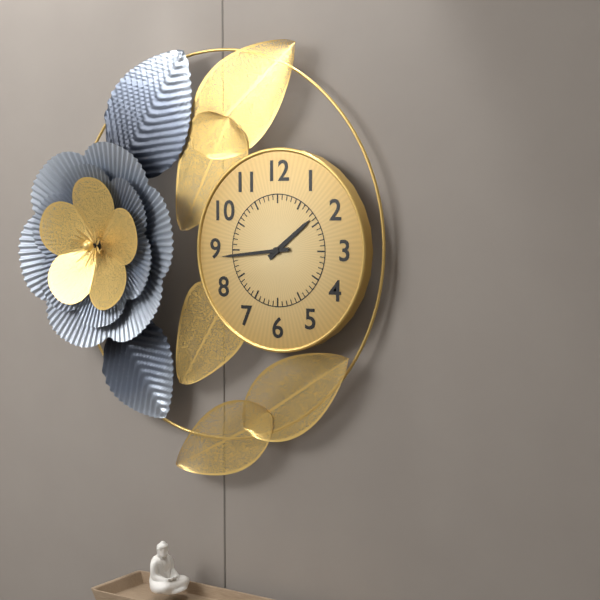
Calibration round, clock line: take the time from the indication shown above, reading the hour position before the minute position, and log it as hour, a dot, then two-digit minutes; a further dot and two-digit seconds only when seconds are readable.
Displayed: 1.44
